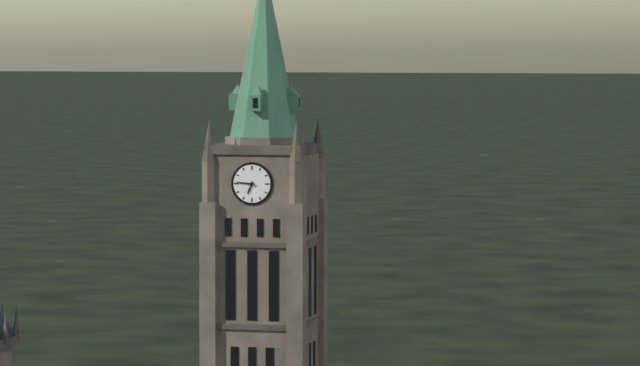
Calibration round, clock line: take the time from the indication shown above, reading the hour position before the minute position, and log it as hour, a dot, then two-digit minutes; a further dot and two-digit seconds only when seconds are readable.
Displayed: 6.46
